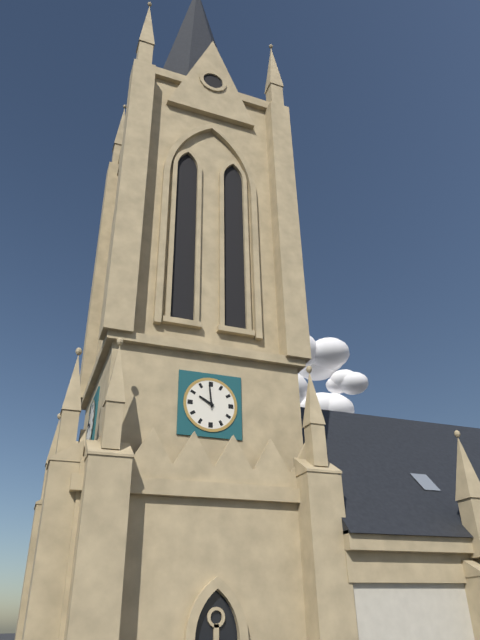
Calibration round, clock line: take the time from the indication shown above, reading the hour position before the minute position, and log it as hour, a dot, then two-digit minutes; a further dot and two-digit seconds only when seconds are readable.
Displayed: 9.59
